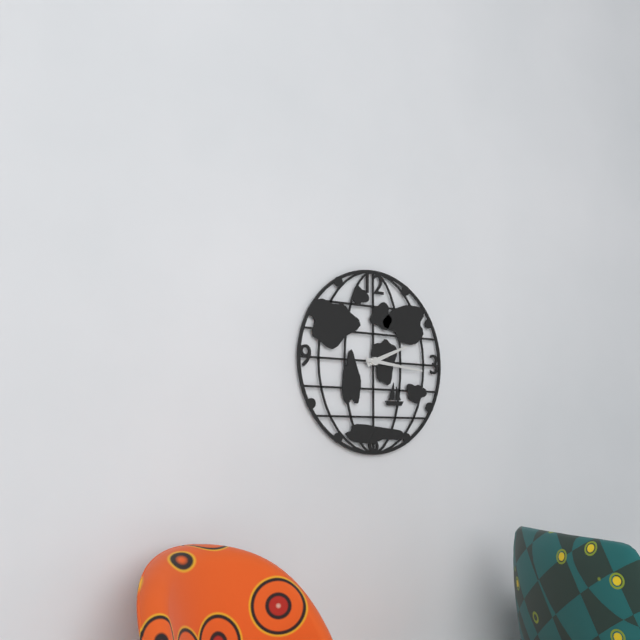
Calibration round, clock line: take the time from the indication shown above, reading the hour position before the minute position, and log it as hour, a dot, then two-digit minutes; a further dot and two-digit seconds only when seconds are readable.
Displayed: 2.16
